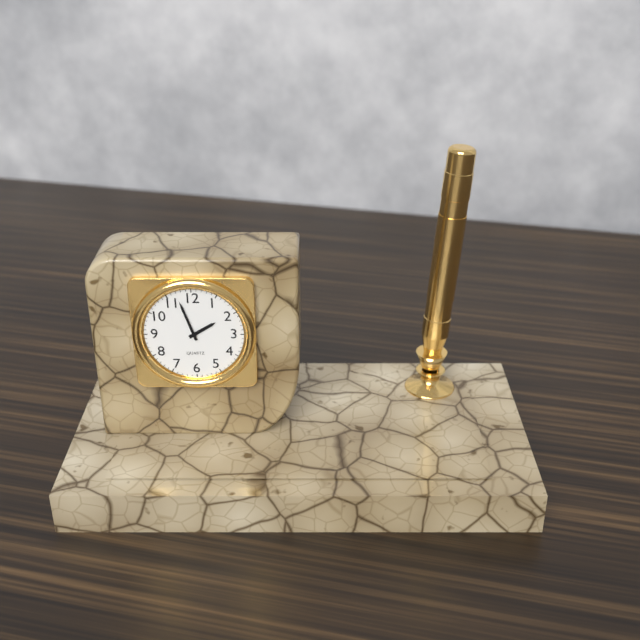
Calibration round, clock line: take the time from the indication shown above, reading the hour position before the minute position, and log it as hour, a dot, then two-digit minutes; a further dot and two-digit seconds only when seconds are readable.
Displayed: 1.57
